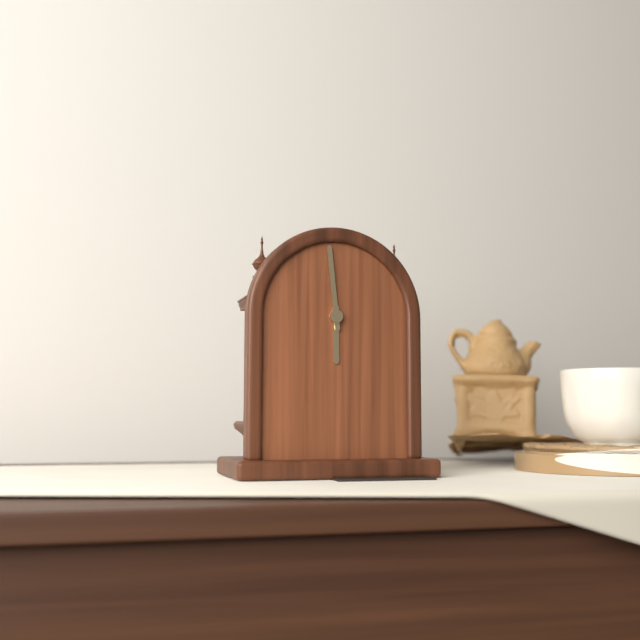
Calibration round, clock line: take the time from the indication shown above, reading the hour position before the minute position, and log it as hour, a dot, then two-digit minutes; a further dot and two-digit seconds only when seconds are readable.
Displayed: 5.59
